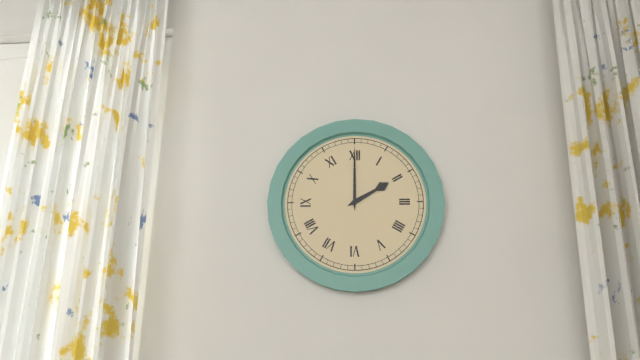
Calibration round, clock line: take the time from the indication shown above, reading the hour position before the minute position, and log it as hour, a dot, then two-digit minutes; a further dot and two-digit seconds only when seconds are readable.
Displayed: 2.00
